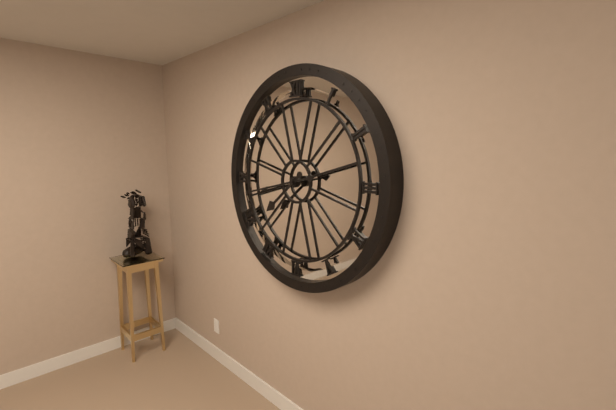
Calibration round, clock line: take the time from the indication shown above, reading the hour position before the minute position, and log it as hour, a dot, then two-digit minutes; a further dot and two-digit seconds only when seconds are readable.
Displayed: 7.43
